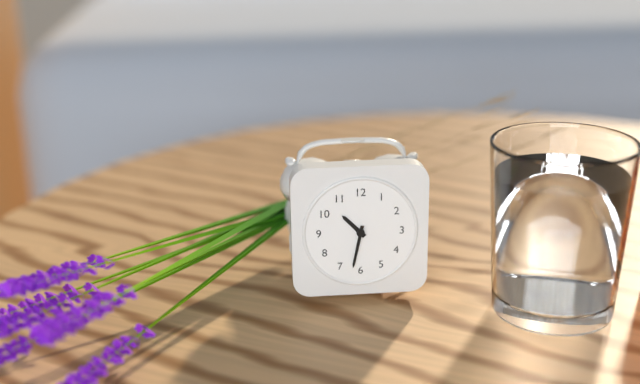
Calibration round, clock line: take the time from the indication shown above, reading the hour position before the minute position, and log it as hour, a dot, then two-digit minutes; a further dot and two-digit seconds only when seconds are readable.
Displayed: 10.32
